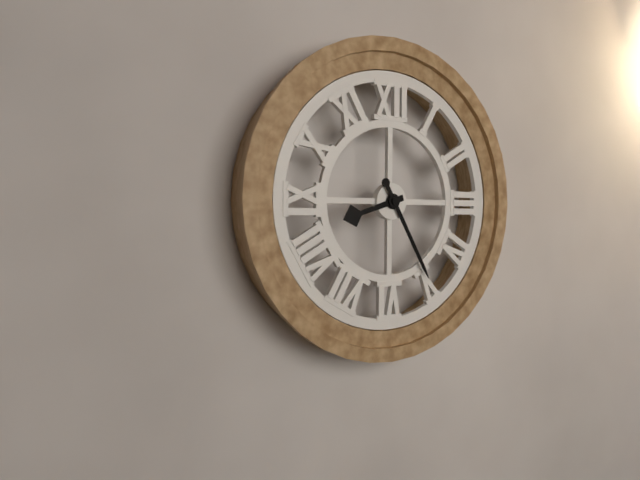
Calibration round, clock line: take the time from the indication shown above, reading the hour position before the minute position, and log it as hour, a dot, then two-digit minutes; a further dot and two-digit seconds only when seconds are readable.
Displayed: 8.25
